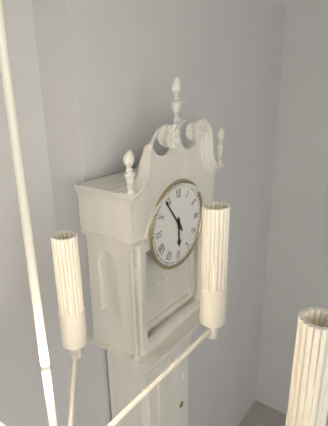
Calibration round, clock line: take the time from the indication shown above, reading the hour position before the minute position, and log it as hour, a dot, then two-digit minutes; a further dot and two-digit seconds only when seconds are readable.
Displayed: 5.54
